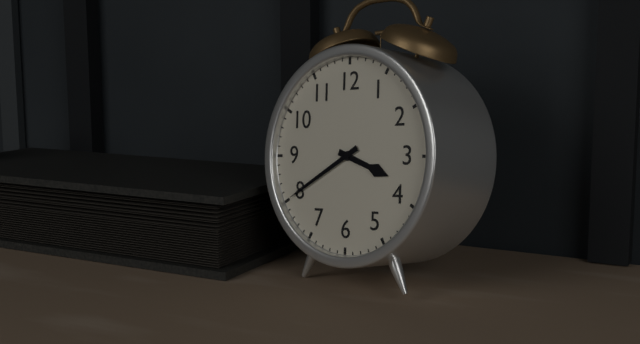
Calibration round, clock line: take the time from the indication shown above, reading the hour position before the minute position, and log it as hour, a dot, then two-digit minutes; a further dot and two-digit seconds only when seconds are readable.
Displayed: 3.40
